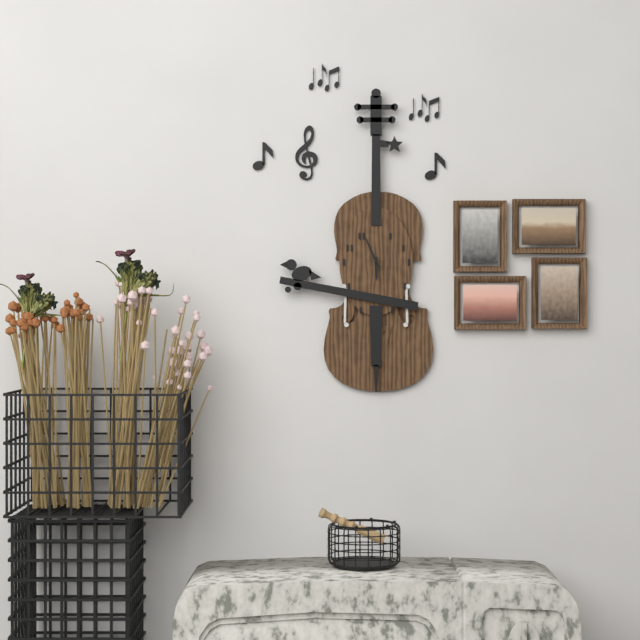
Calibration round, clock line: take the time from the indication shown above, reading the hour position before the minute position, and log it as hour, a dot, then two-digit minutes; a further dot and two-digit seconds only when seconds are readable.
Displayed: 5.56
